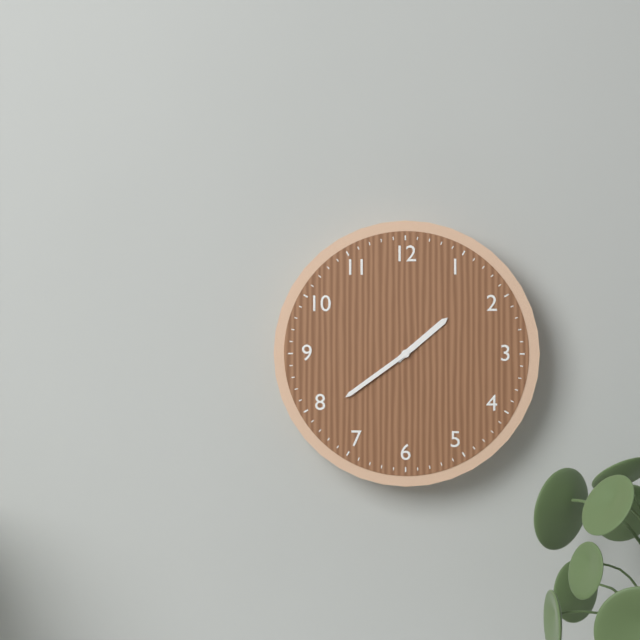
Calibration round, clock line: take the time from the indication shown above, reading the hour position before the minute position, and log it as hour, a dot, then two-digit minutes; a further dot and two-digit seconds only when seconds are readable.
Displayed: 1.39
